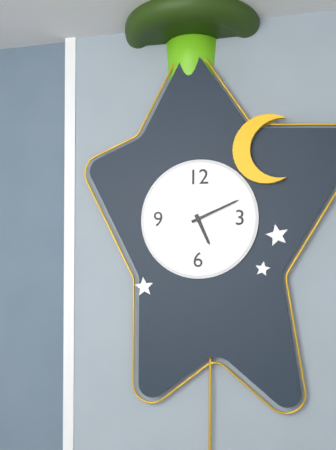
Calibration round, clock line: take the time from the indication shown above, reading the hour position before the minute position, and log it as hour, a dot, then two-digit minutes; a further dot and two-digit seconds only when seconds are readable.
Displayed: 5.11
